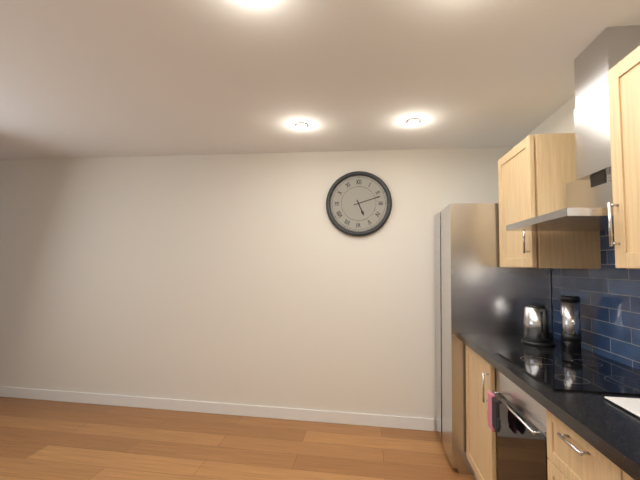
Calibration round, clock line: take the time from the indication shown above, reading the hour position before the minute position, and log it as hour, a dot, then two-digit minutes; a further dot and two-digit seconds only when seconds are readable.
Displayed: 5.12
